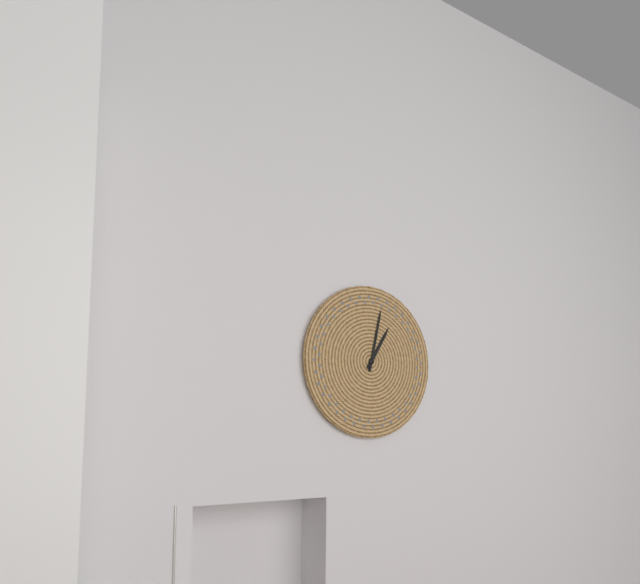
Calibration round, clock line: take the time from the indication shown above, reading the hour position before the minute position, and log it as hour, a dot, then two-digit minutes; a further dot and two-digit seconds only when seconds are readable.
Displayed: 1.02
